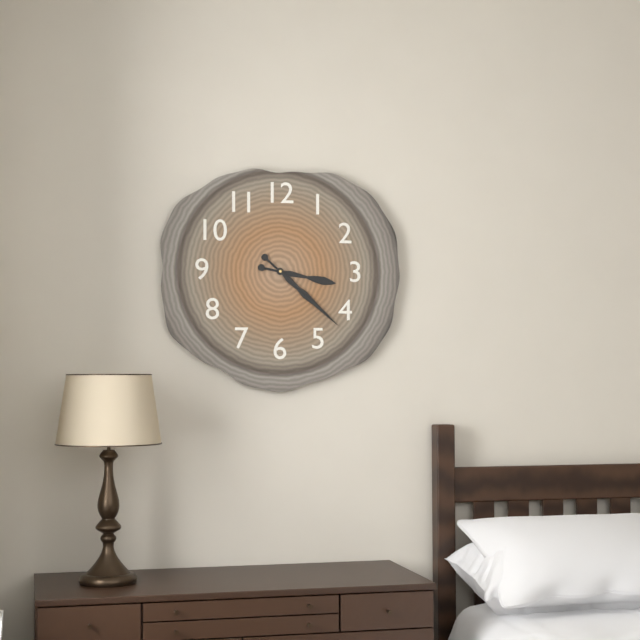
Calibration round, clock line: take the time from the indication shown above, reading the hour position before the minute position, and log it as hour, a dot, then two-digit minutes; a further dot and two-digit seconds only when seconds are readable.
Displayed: 3.22
